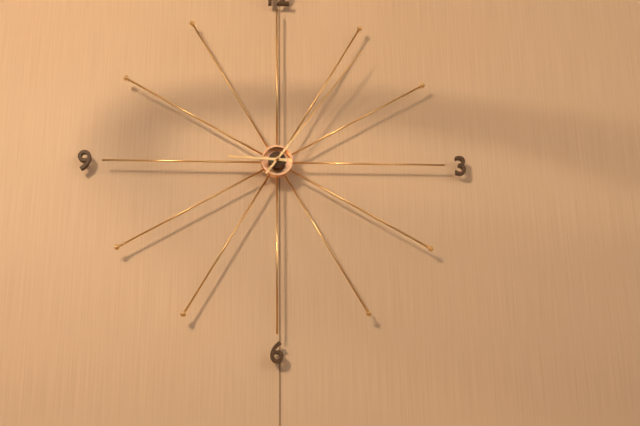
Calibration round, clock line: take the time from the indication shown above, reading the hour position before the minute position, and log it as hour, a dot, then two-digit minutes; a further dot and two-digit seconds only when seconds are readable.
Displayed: 9.06
